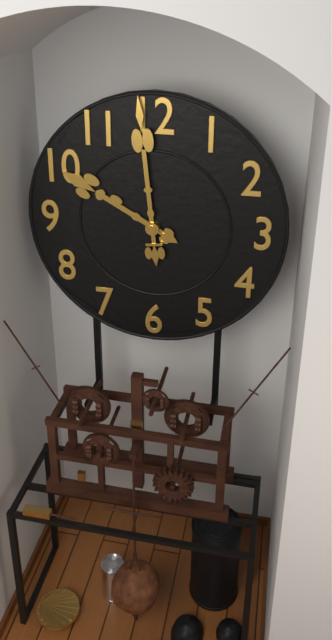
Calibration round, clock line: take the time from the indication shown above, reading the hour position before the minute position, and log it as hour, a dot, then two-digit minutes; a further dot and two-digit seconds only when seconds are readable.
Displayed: 9.59
